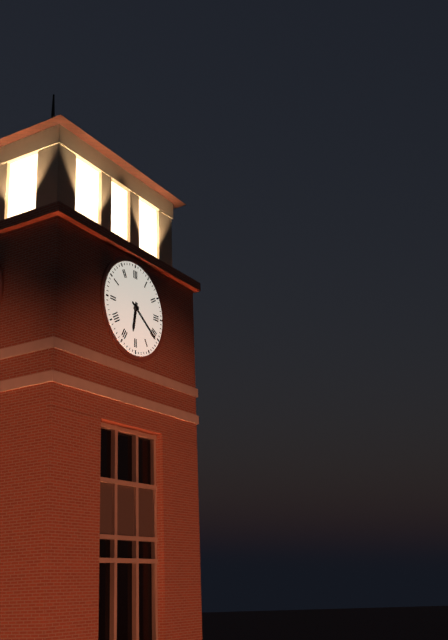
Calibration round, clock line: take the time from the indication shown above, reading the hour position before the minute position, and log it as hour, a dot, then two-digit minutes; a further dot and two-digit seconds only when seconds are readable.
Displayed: 6.21
